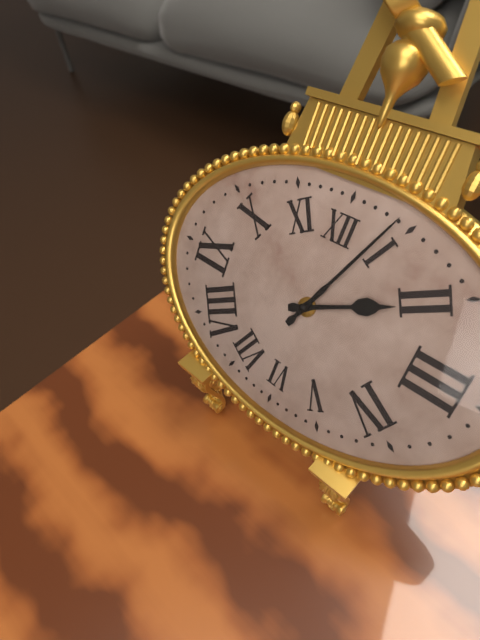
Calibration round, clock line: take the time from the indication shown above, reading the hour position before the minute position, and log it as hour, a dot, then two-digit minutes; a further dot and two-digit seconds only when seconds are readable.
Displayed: 2.04
